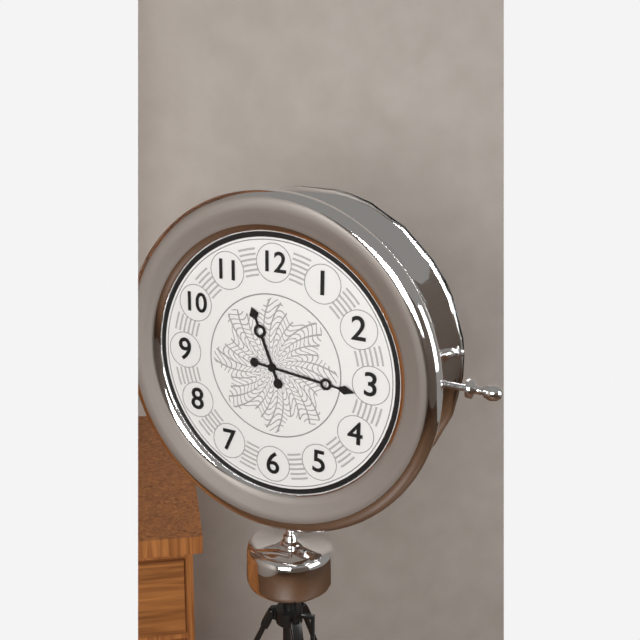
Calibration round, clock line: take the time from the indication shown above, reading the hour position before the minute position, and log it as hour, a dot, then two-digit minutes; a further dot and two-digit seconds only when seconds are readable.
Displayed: 11.16
